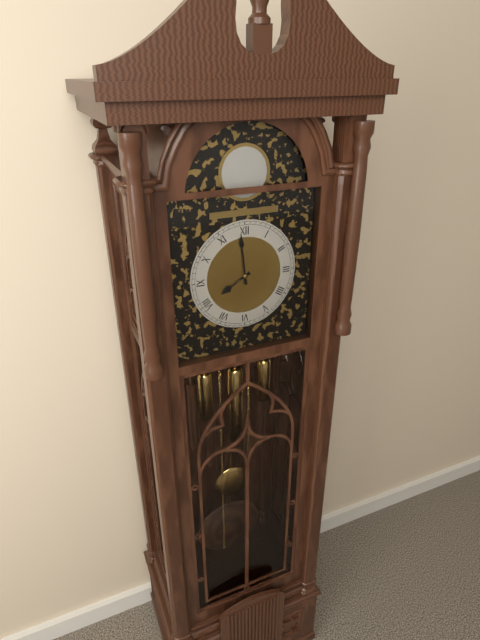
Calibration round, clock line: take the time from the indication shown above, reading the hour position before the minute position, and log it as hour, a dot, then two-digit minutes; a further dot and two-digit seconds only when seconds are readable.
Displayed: 7.59
